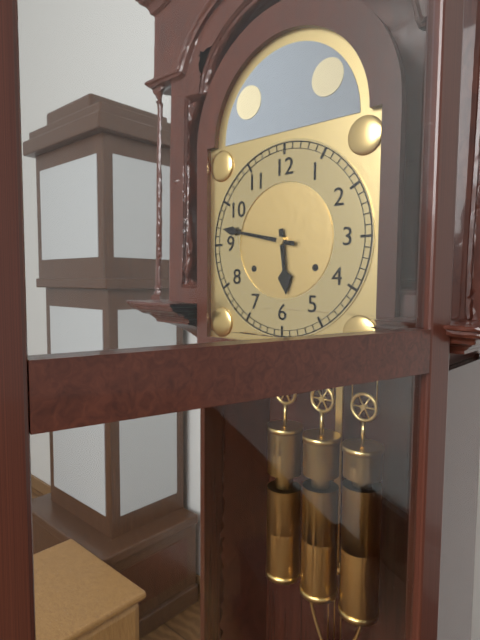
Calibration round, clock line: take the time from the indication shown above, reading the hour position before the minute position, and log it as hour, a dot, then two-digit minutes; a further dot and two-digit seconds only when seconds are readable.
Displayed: 5.47
